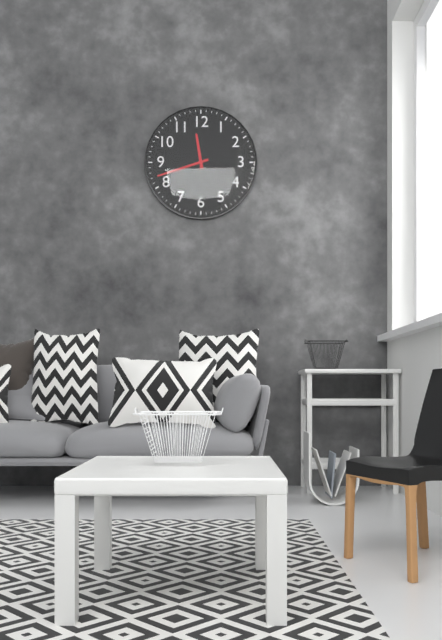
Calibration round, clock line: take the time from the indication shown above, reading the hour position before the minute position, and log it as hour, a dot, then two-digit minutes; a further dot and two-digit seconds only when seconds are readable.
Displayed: 11.42
